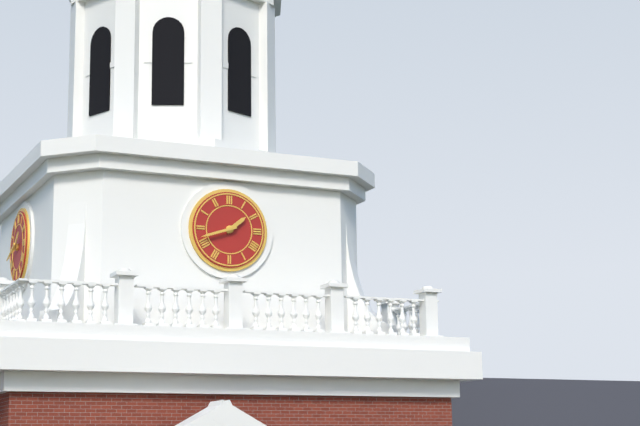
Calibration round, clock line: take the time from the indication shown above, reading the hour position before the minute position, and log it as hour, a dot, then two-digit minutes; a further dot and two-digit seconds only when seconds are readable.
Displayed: 1.42
